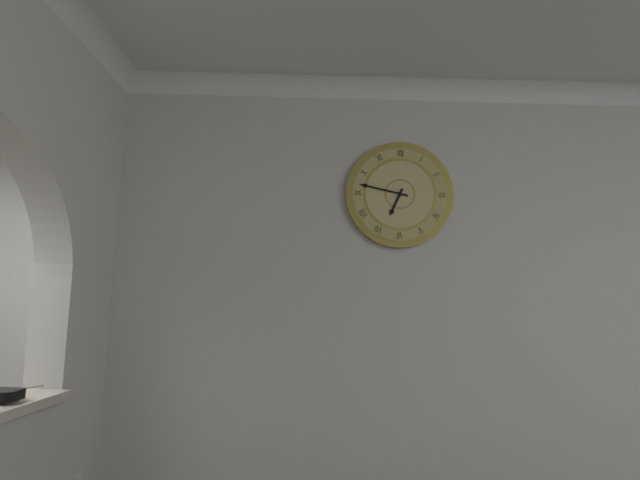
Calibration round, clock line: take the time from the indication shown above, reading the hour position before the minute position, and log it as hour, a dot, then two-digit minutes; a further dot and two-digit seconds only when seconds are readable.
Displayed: 6.47
